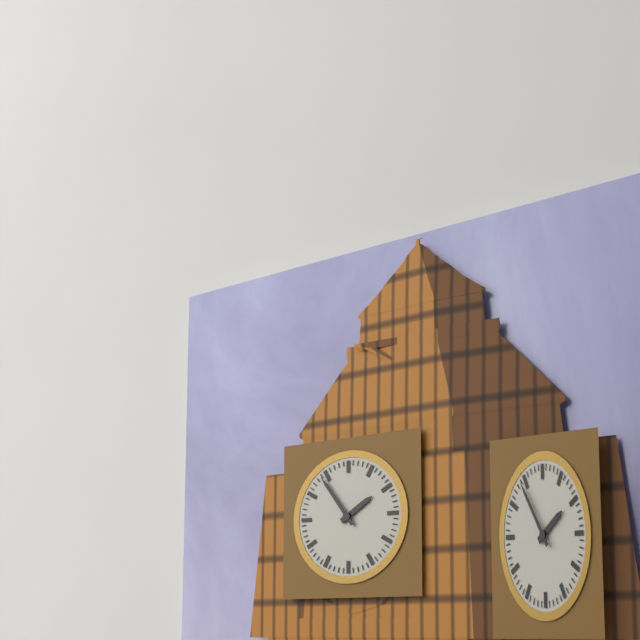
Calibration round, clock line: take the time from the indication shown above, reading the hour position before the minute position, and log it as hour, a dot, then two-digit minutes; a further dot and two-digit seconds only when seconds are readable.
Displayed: 1.54
